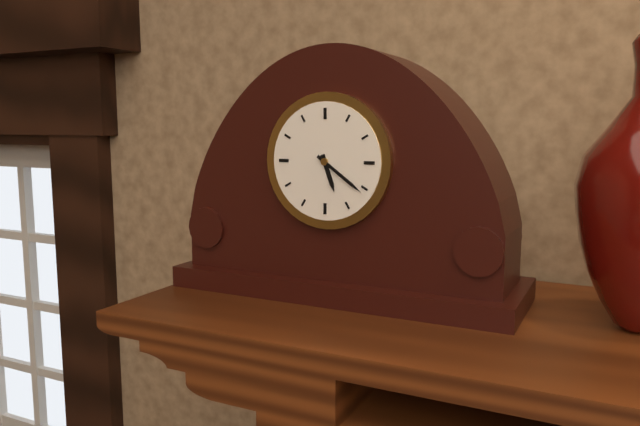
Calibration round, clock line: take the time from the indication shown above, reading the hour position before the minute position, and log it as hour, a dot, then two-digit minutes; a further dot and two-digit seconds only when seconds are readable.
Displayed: 5.21
